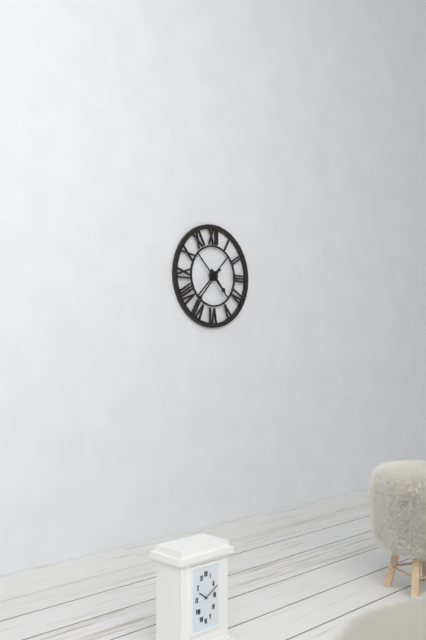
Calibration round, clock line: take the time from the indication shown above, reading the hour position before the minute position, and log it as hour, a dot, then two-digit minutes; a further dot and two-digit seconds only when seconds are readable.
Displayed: 4.37
